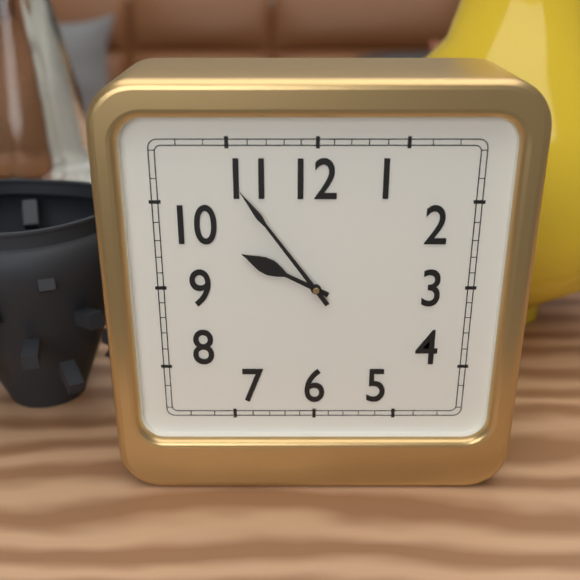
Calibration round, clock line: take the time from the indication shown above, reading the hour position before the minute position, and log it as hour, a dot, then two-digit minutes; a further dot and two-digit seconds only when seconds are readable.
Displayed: 9.54
